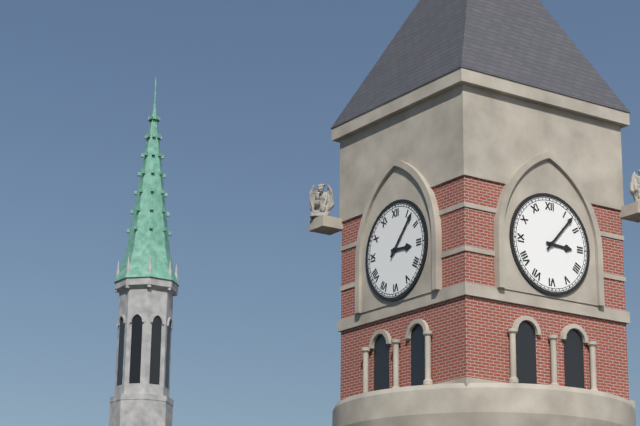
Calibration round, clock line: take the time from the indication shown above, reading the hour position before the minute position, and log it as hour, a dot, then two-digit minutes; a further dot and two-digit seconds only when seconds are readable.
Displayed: 3.07
